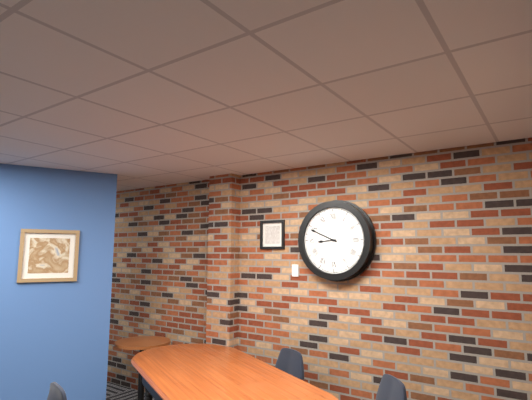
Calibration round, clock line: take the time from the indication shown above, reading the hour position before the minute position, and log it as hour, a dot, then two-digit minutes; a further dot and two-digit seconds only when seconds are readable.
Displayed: 8.49
